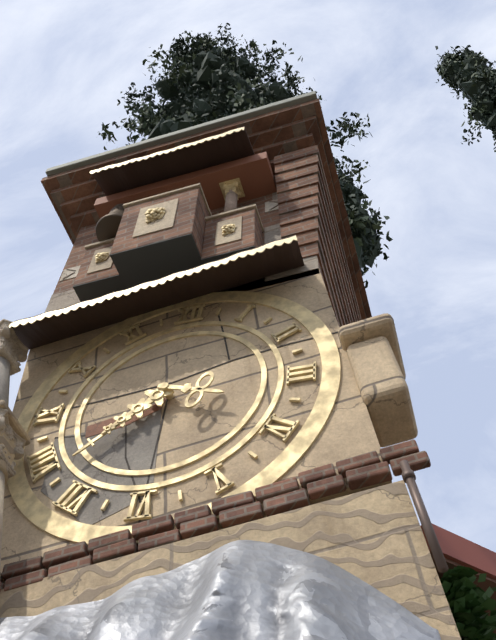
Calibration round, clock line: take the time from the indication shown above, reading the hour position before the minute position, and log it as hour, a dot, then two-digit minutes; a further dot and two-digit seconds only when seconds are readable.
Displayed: 3.38
